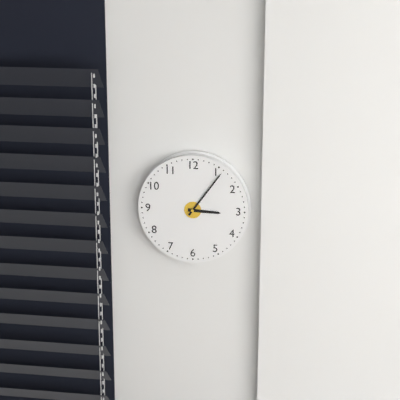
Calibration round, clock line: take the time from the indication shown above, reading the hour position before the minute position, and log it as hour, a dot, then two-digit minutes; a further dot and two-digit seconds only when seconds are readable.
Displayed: 3.06
